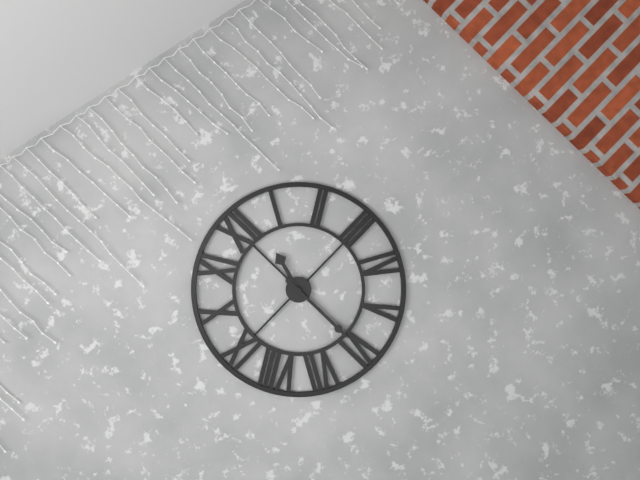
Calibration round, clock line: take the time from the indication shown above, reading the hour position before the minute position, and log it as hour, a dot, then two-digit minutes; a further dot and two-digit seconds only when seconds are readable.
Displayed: 12.30
